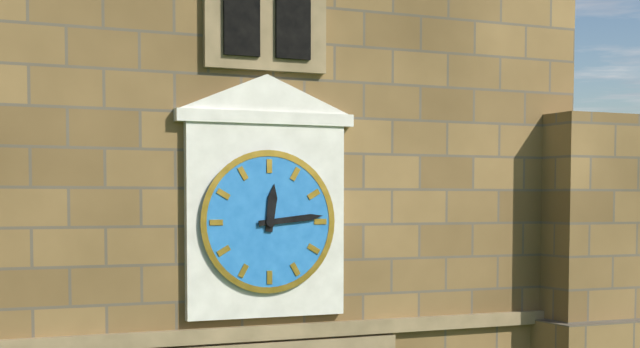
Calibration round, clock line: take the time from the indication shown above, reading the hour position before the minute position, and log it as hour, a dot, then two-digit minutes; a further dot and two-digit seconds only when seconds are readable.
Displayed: 12.14
